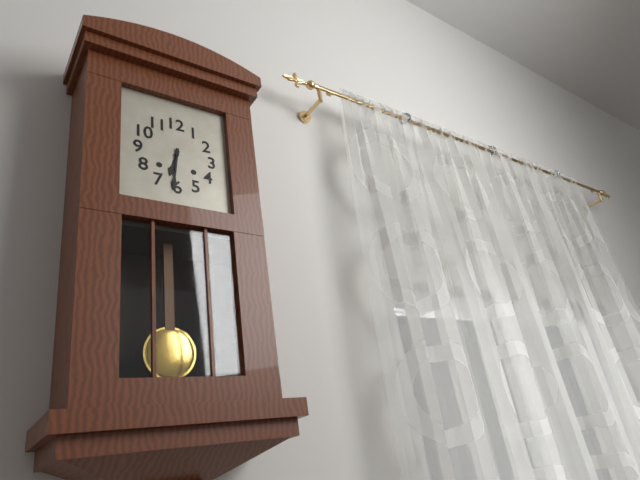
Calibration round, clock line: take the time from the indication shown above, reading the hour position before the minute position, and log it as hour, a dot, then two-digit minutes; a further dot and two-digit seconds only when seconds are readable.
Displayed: 6.31
